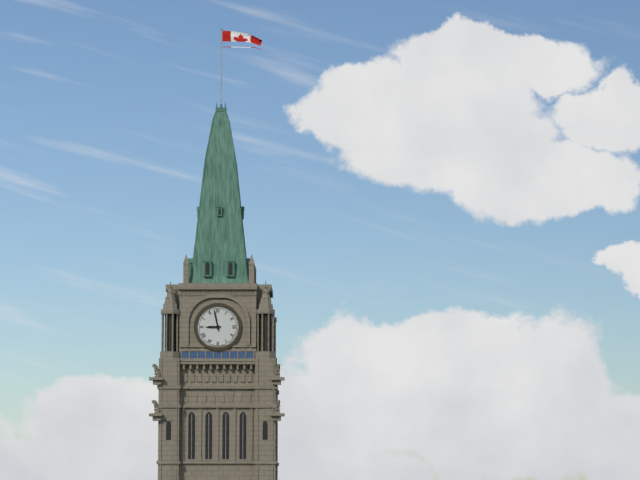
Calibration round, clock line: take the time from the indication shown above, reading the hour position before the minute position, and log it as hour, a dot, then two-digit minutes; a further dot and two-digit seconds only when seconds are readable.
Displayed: 8.58
